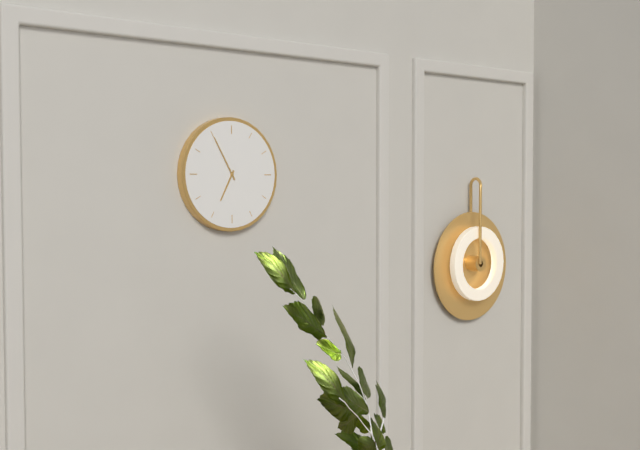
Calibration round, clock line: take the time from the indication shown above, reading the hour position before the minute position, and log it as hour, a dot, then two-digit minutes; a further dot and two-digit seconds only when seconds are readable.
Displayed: 6.55
